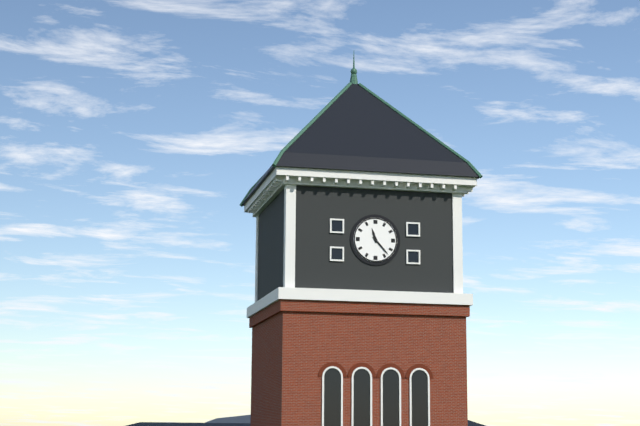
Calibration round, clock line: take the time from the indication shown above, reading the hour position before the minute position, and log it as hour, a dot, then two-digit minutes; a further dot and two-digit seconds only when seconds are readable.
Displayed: 11.23
